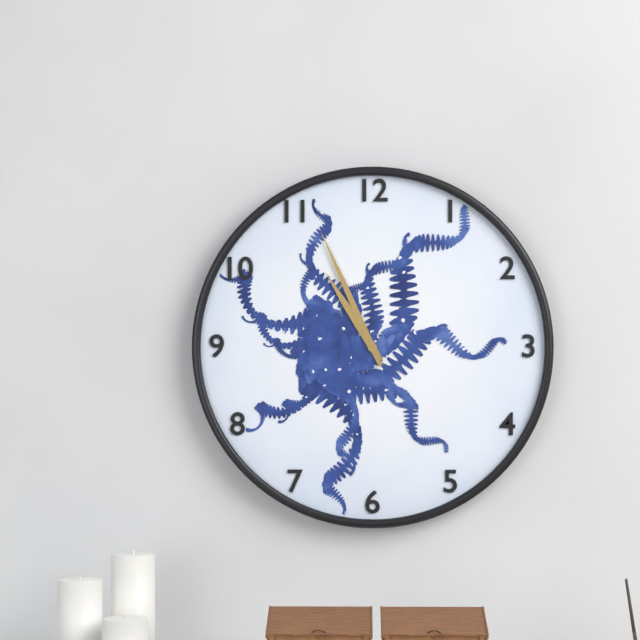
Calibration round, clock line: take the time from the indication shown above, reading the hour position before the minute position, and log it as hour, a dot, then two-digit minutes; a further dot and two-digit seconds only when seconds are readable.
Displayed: 10.56
